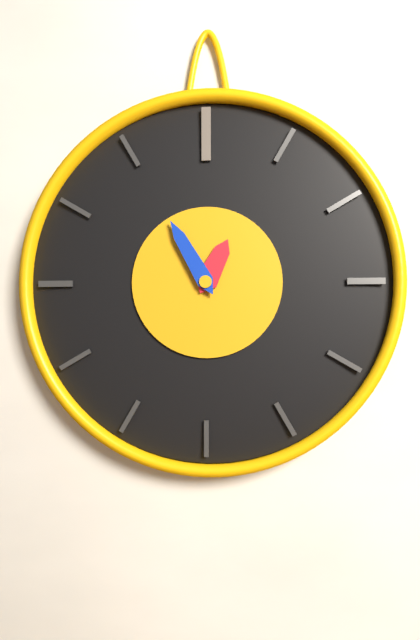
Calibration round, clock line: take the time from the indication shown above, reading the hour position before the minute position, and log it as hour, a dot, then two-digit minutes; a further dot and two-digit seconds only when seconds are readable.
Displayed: 12.55
